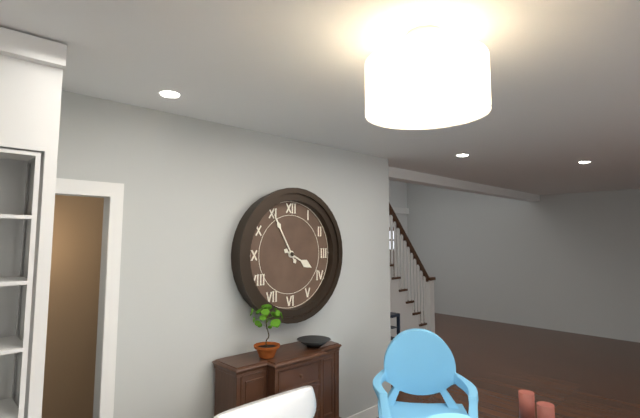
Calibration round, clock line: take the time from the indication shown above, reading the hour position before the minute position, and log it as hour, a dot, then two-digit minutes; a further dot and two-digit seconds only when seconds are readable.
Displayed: 3.55
